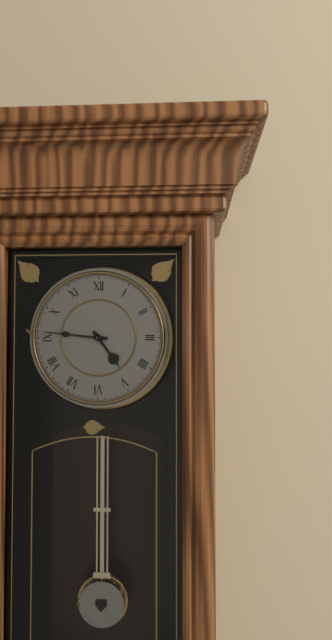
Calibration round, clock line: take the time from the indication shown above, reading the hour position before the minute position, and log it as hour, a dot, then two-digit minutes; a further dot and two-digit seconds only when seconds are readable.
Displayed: 4.46
